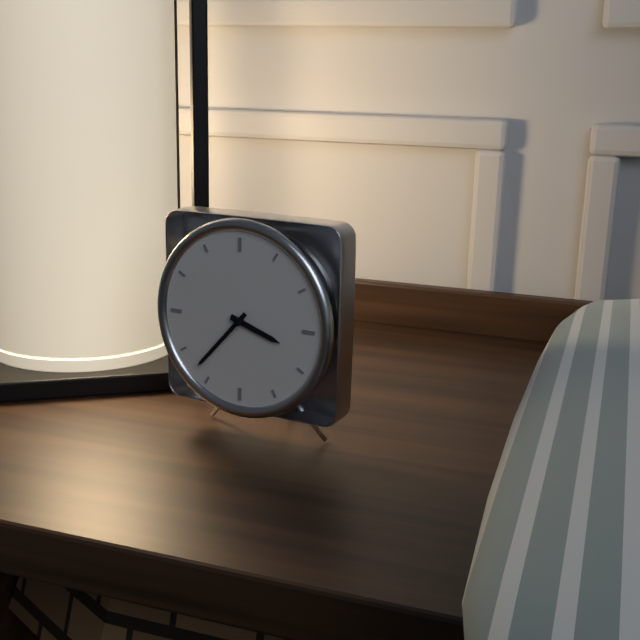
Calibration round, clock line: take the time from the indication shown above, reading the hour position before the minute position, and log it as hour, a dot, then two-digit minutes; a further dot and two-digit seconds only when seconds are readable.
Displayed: 3.37
